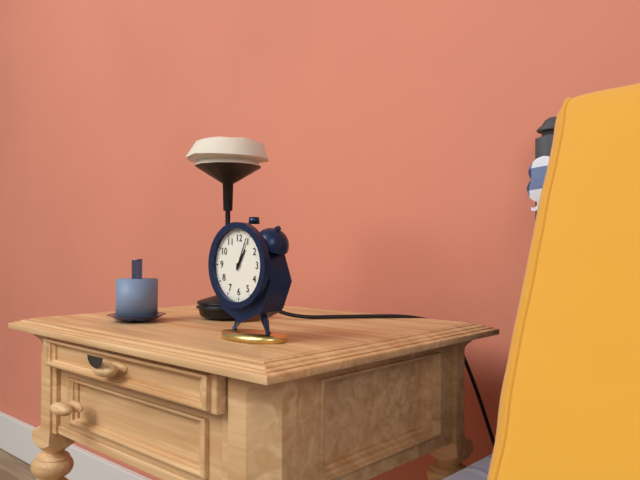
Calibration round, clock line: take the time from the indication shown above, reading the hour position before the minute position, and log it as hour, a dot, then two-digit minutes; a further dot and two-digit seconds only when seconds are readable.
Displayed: 1.04
